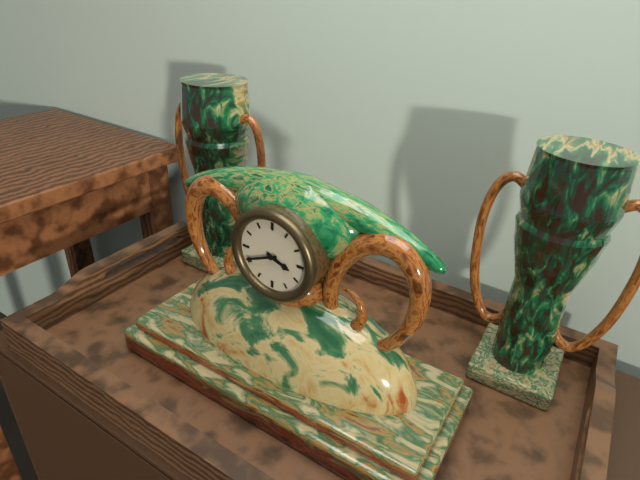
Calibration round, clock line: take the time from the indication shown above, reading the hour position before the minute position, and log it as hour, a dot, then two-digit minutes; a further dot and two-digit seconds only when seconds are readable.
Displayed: 3.41
